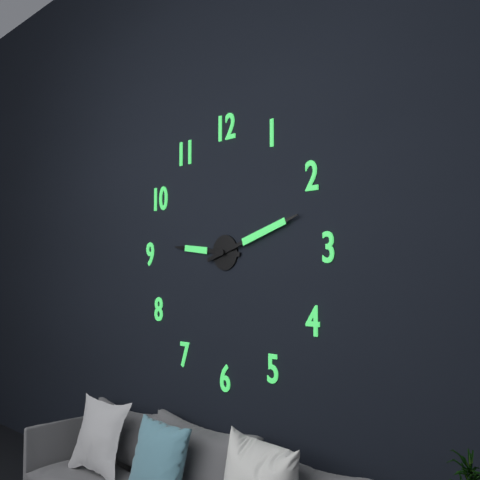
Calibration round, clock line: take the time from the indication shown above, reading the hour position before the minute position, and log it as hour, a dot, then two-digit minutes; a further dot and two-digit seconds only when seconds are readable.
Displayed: 9.12
